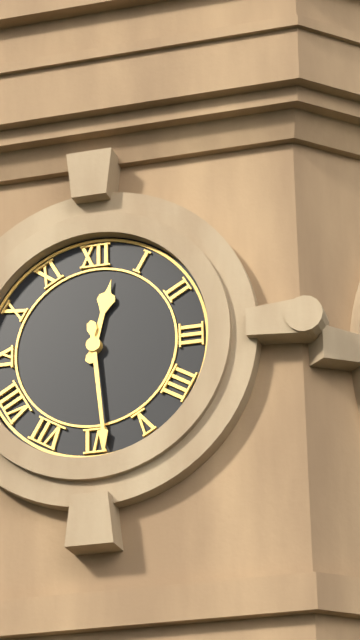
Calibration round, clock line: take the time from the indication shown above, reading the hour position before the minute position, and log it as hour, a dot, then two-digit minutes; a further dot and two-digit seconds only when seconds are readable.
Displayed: 12.29
